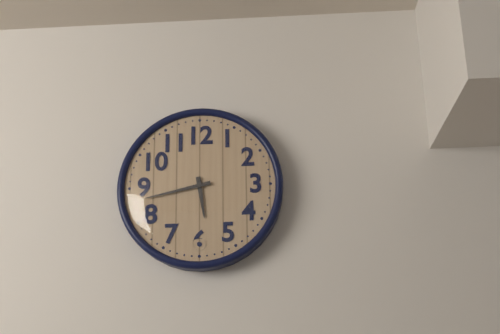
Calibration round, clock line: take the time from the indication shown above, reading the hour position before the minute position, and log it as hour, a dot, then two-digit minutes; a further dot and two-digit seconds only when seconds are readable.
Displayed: 5.43
